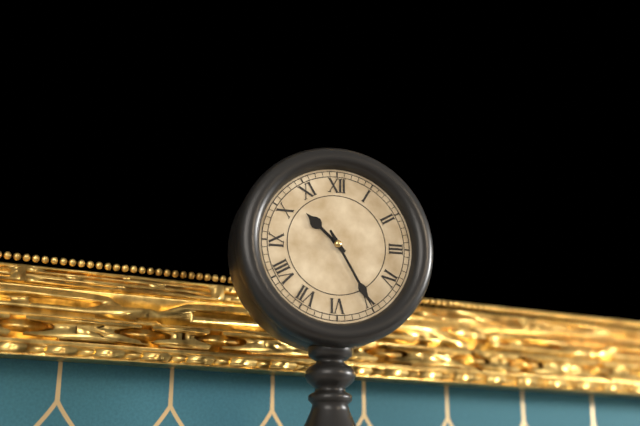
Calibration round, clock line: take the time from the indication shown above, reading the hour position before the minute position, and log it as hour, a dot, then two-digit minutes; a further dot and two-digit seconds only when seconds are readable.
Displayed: 10.25
